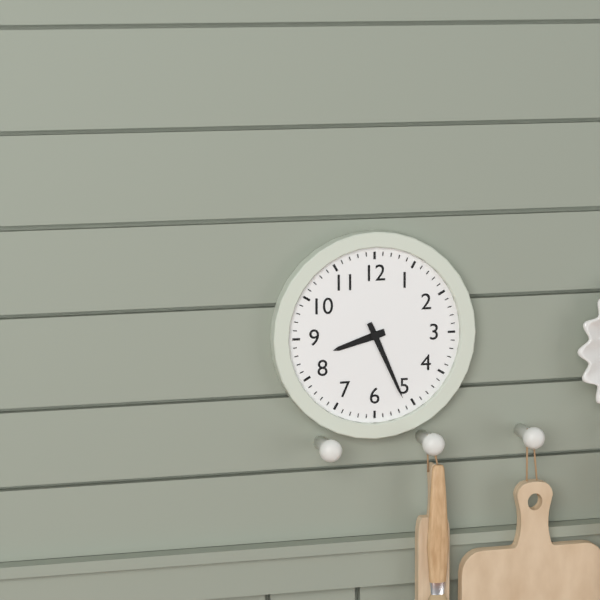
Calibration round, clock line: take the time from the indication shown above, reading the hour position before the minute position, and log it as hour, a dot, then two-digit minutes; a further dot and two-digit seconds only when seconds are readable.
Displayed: 8.26
